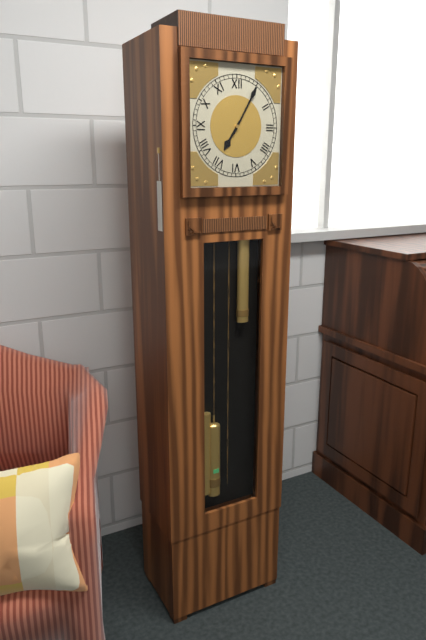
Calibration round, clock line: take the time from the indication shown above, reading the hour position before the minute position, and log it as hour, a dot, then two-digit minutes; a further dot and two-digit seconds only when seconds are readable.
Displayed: 7.05
